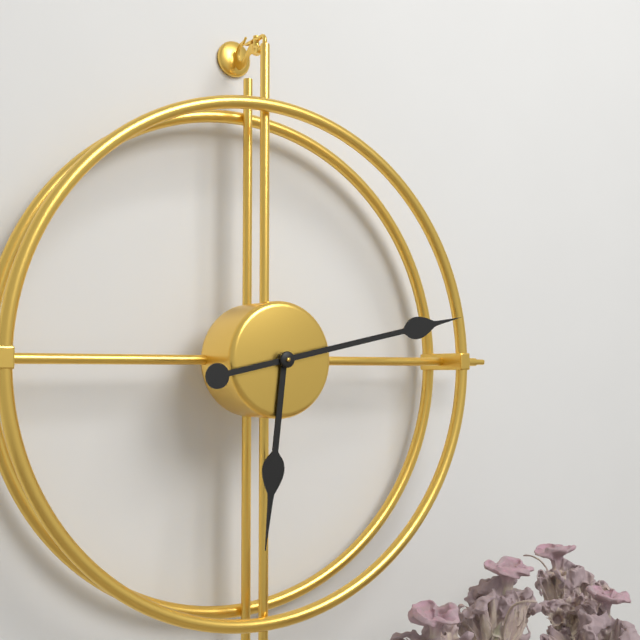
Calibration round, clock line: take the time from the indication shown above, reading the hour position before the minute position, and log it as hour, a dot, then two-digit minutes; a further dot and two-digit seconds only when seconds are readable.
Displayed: 6.13
